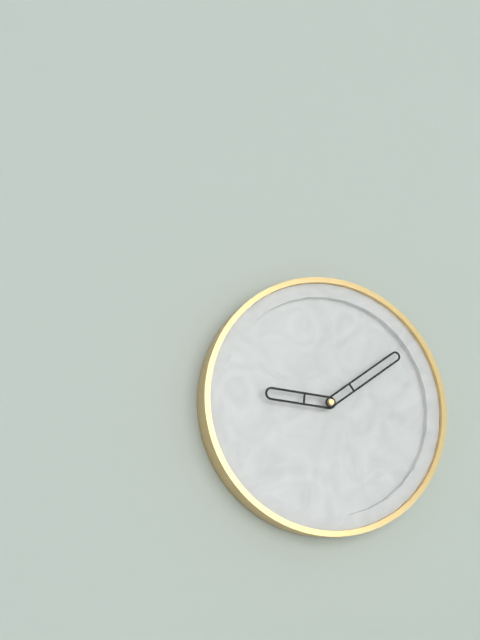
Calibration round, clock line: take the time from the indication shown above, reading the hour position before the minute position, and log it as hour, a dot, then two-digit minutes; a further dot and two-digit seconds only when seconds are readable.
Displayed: 9.09
